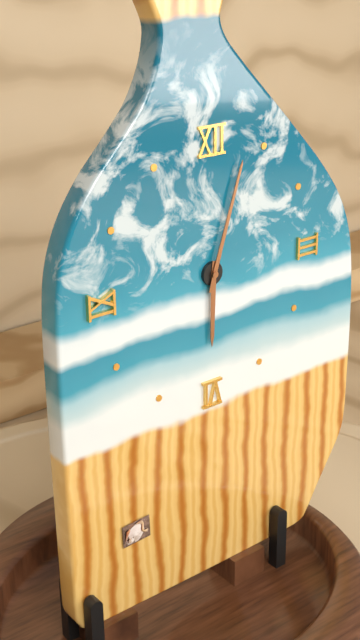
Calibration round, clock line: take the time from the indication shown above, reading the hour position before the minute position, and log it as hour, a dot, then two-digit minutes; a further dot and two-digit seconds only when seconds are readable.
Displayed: 6.03
